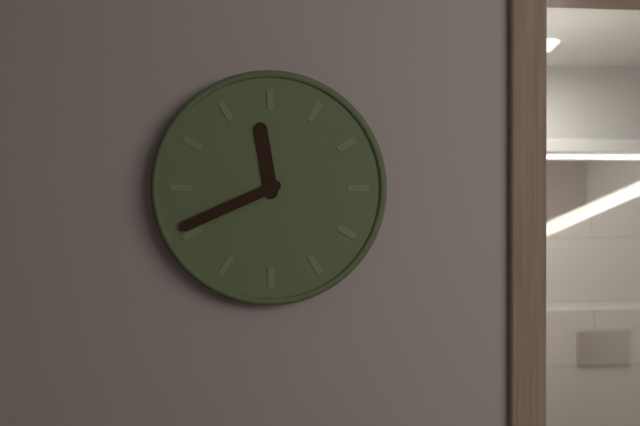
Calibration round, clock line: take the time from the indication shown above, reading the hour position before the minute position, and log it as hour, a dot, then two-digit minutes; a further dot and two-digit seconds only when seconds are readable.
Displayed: 11.41
